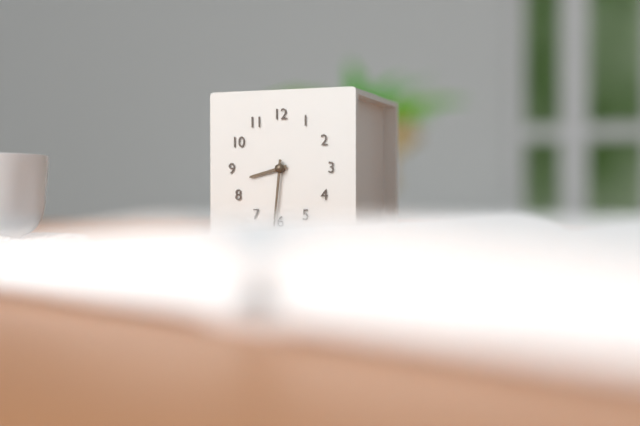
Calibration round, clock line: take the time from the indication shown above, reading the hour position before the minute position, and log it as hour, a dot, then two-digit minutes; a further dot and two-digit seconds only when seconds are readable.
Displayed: 8.31
